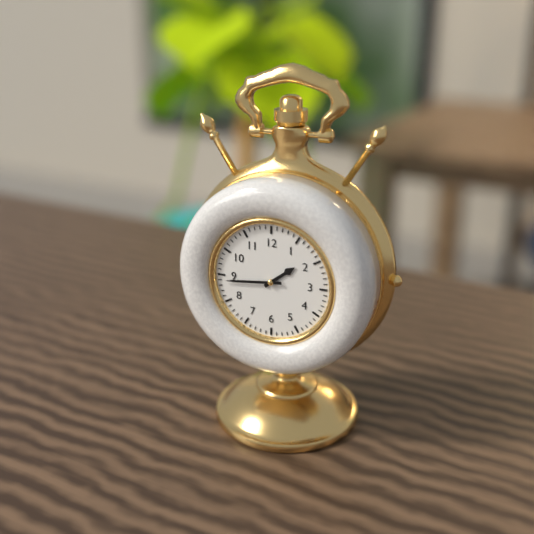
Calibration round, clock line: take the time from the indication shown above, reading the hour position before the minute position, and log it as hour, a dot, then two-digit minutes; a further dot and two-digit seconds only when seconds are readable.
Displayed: 1.44
